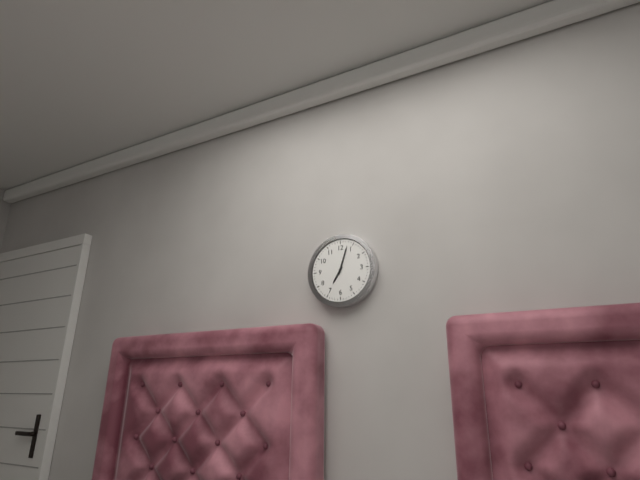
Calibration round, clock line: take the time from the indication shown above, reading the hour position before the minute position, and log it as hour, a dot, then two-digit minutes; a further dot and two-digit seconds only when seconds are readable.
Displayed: 7.03
